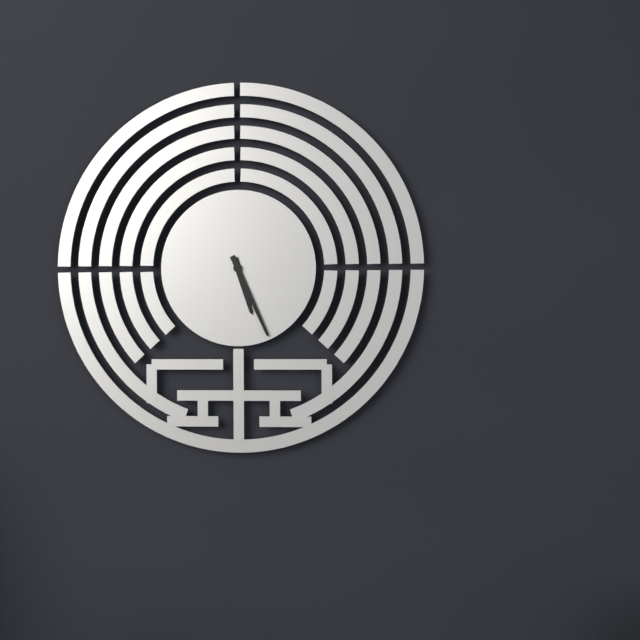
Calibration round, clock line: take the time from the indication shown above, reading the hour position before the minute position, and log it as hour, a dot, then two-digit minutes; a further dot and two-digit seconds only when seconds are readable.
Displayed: 5.26
